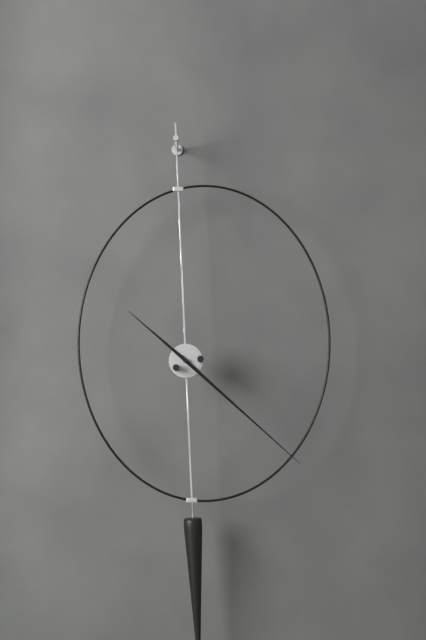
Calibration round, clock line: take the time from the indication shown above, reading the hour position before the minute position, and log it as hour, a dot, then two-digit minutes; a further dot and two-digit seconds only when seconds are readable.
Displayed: 10.22
